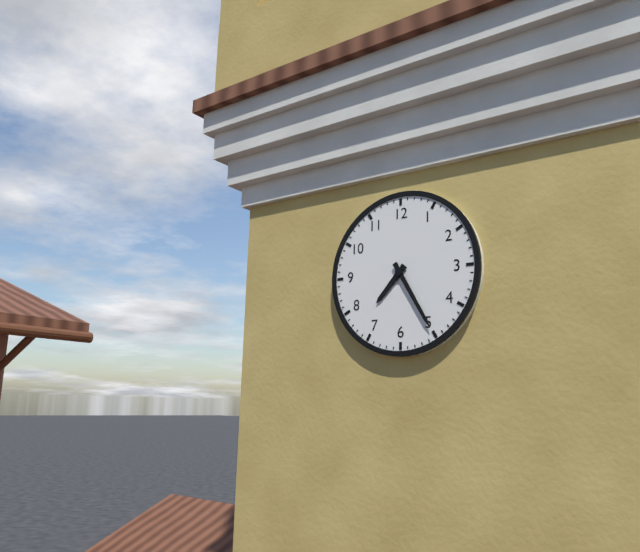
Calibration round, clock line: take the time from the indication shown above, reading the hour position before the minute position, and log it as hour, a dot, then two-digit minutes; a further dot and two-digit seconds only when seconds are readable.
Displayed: 7.25
